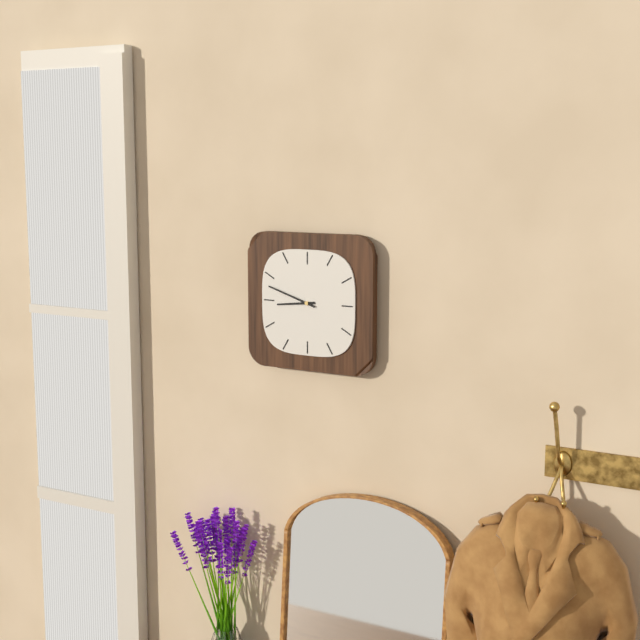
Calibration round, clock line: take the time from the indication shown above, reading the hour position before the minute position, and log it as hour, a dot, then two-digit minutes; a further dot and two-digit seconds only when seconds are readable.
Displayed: 8.48
